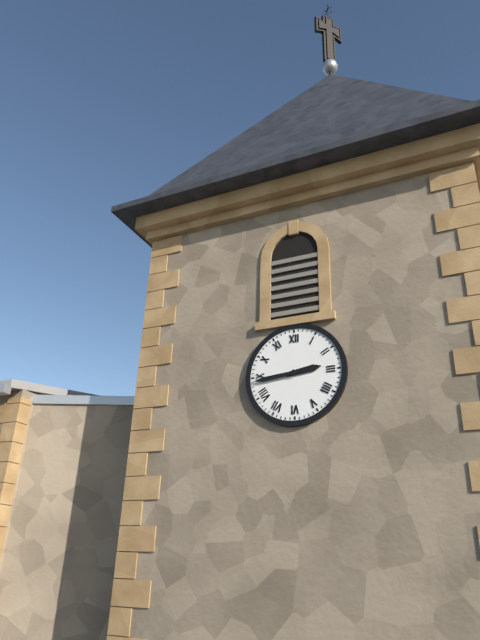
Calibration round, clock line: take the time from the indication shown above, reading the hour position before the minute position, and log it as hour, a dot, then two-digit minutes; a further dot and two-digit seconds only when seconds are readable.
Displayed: 2.44
